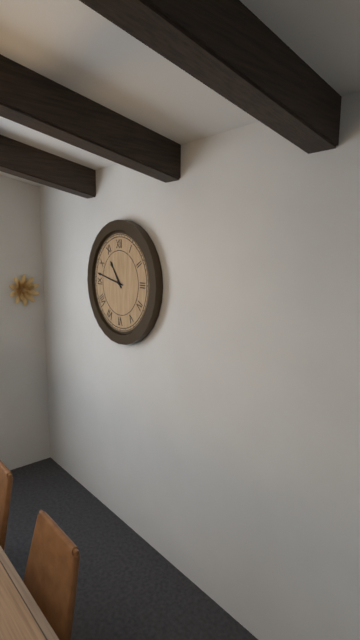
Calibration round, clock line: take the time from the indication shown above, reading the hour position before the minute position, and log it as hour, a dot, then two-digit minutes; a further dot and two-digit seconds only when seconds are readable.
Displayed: 10.47
